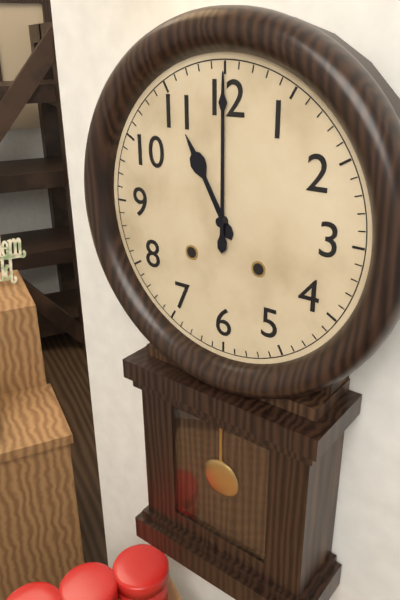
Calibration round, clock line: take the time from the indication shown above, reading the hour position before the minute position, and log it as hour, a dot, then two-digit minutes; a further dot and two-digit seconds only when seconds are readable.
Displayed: 11.00
